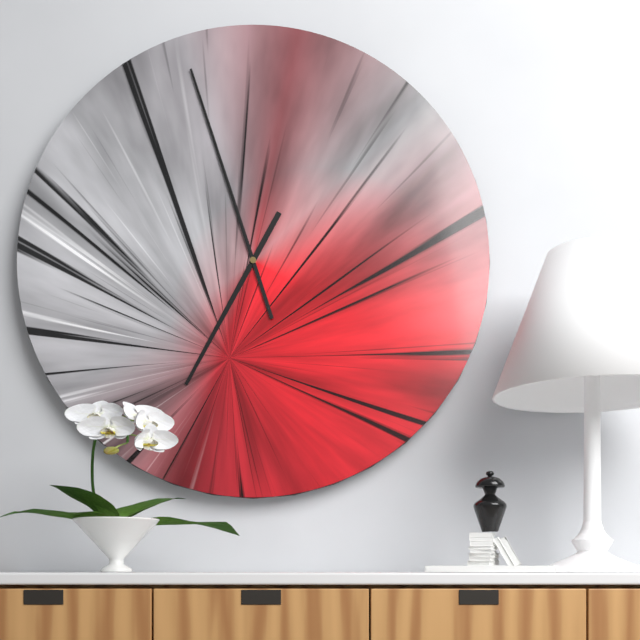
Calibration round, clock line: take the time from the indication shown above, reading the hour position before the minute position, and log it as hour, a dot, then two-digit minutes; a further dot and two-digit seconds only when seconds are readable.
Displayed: 6.57
